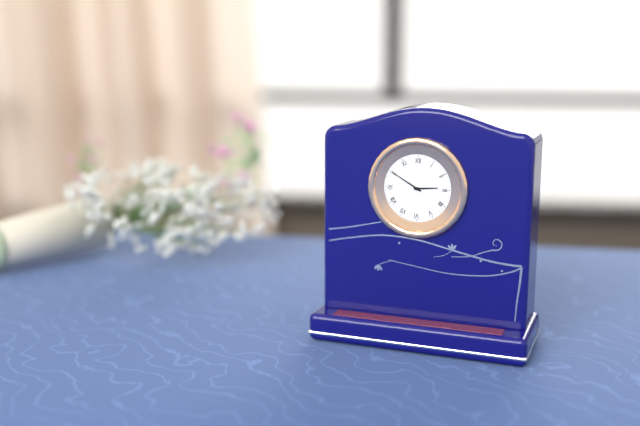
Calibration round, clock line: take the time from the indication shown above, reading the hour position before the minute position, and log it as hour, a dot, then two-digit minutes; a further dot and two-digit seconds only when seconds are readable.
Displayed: 2.50
